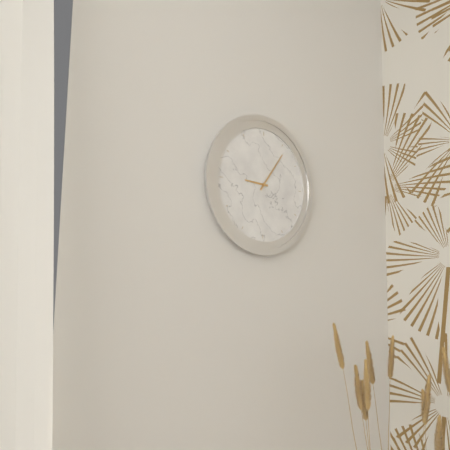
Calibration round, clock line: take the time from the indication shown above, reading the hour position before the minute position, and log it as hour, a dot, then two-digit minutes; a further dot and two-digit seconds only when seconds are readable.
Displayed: 9.06
